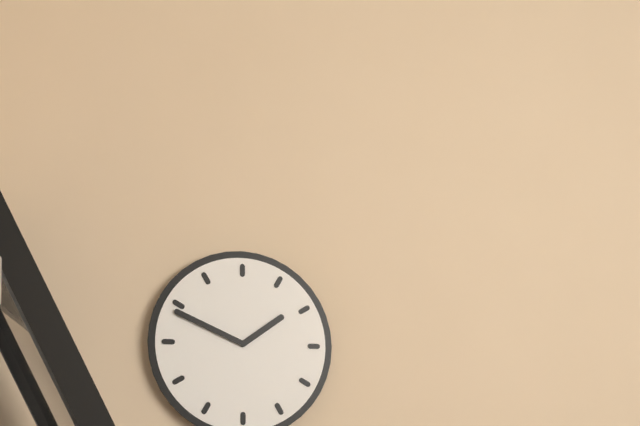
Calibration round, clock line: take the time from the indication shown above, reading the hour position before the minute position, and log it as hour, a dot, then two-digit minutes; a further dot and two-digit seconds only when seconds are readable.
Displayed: 1.49
